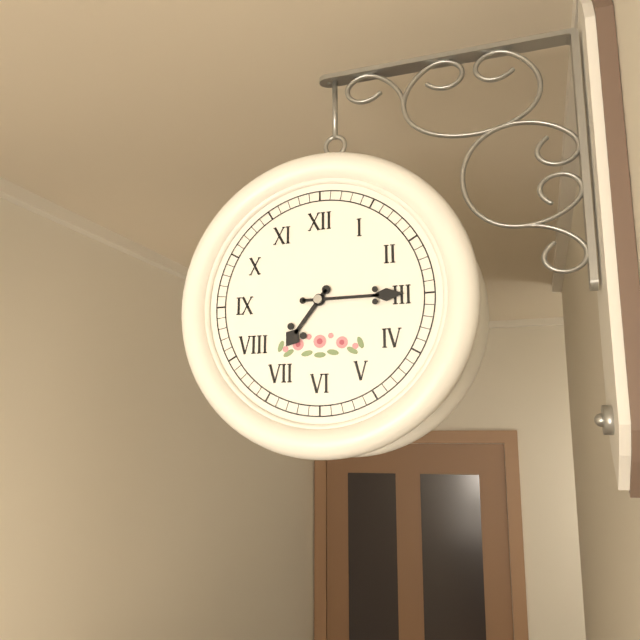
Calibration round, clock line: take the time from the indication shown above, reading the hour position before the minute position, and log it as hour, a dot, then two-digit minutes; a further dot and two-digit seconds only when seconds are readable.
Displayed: 7.15
